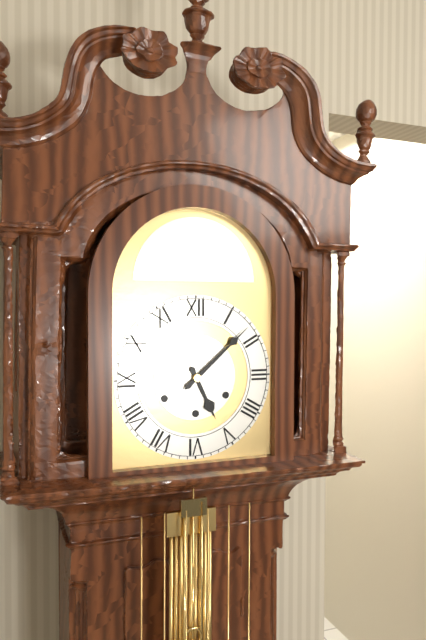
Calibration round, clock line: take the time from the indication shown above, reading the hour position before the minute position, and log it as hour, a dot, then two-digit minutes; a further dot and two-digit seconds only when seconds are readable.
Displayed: 5.08
